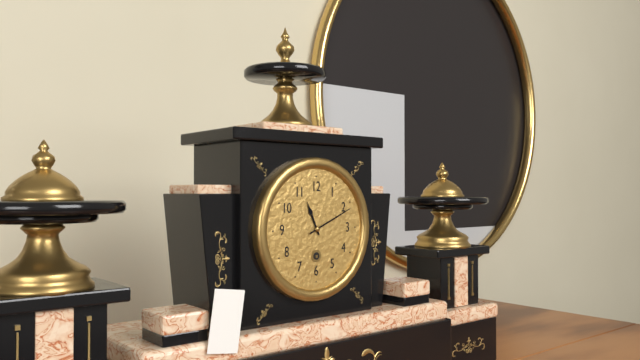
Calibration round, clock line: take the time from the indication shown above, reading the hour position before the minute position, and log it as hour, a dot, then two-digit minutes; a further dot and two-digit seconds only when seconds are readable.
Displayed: 11.11
